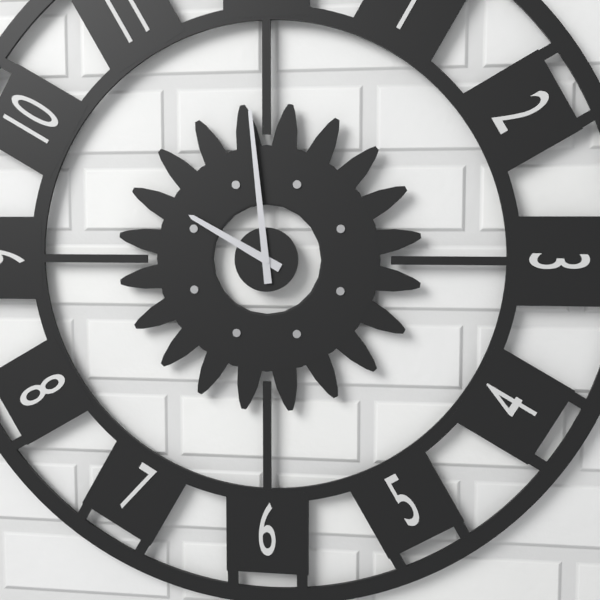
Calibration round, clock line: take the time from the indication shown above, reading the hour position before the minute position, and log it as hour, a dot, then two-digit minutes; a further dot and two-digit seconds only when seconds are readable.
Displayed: 9.59
